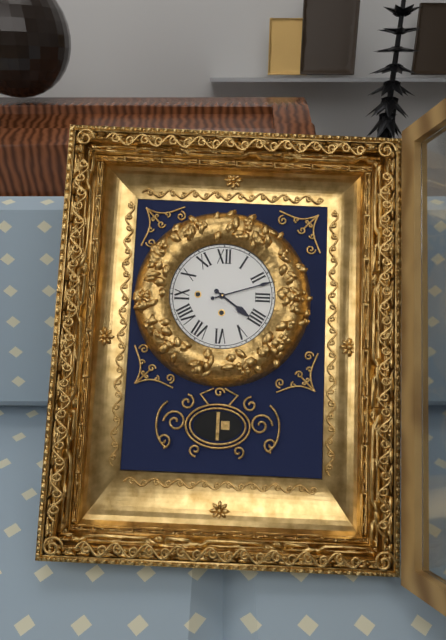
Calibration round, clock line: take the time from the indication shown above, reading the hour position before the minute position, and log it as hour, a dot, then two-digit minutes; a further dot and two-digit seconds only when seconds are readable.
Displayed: 4.12
